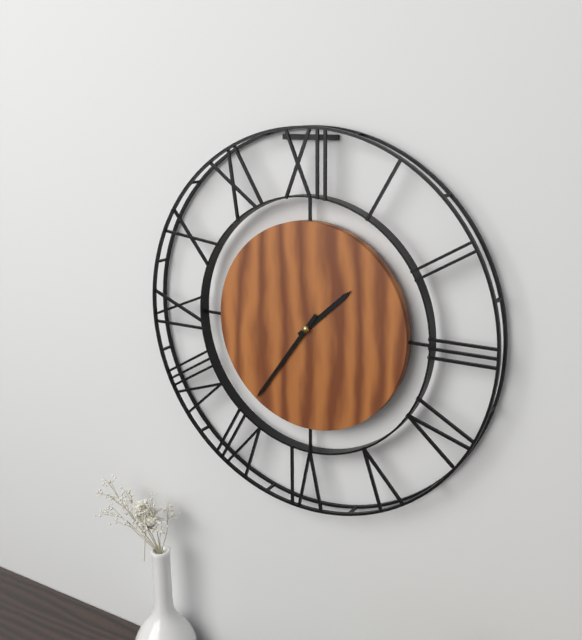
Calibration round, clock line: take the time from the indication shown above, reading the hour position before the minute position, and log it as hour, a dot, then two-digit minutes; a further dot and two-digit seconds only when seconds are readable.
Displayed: 1.36
